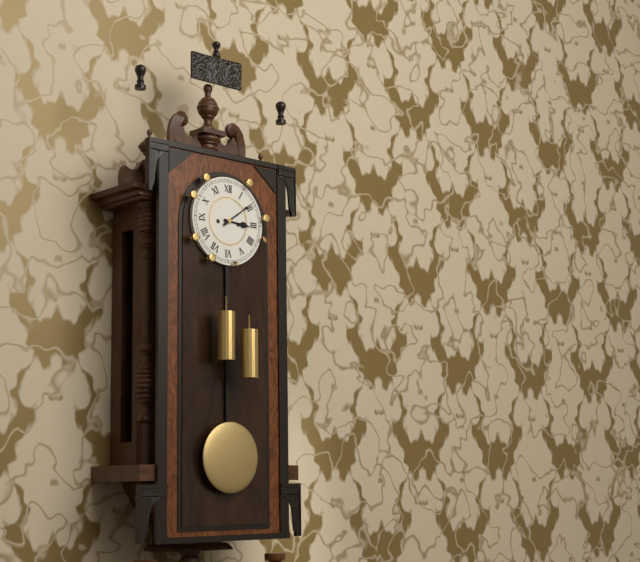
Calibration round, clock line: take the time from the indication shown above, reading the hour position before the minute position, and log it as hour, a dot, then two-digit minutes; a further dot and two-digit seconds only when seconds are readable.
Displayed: 3.09
